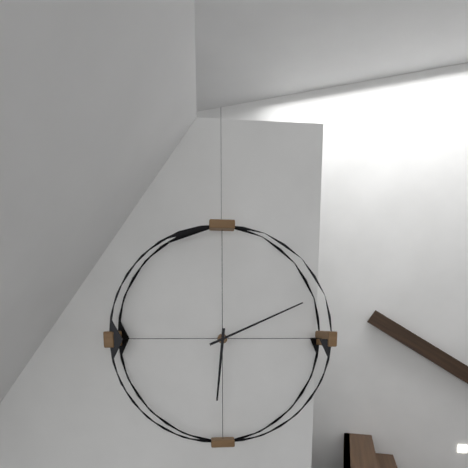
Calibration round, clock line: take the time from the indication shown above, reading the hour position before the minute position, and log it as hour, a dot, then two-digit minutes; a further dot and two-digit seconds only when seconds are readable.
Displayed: 6.11
